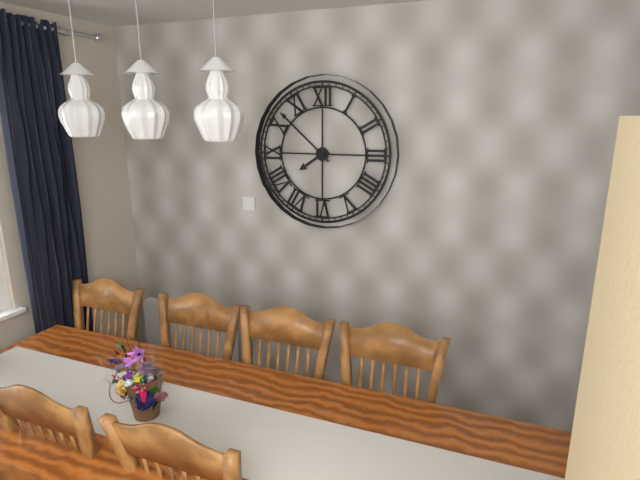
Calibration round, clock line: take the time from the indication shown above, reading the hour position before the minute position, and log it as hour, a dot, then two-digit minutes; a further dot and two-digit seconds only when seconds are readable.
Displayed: 7.52
